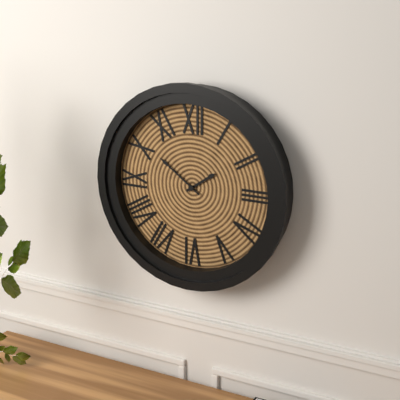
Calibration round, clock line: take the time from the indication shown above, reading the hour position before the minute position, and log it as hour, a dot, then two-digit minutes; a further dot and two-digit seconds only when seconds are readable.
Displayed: 1.51
